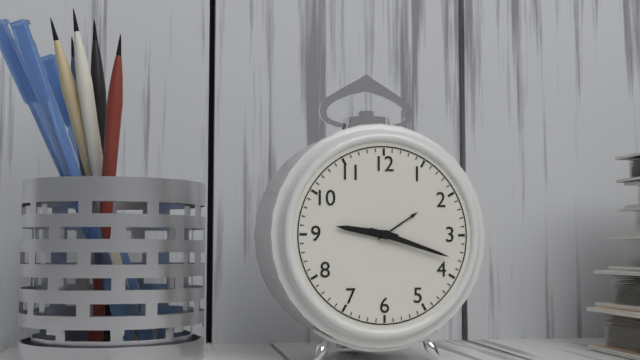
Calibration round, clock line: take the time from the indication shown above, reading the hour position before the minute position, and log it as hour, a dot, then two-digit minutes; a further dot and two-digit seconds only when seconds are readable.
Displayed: 9.18
